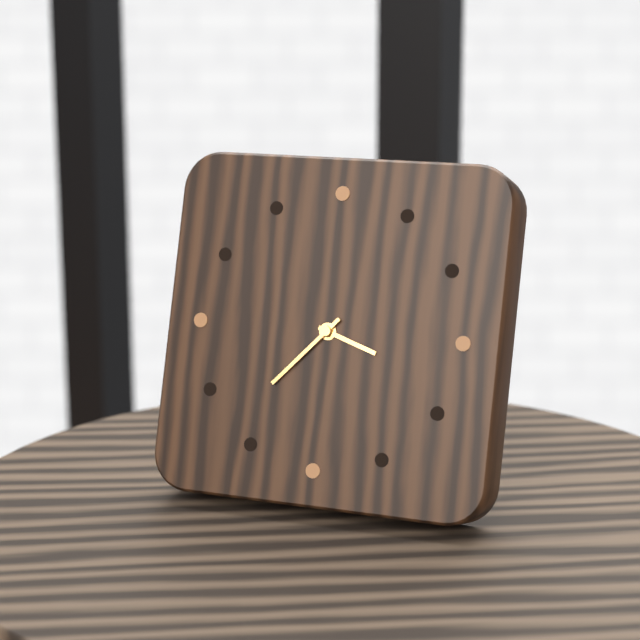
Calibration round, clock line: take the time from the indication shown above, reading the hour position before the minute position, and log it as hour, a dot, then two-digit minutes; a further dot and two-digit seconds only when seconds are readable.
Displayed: 3.37
